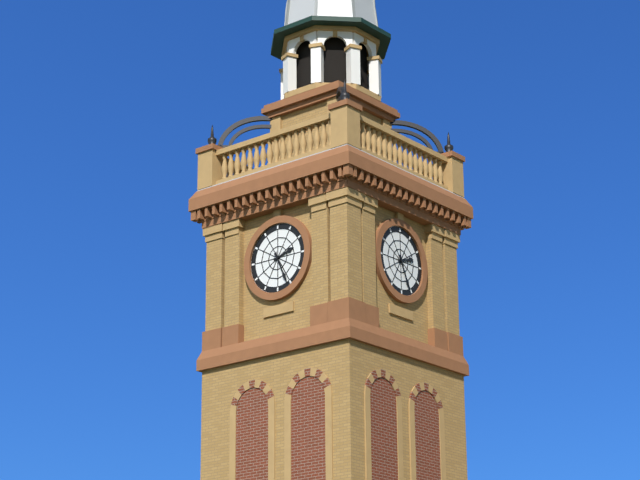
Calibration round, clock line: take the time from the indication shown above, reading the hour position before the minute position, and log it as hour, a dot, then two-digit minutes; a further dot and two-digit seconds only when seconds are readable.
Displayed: 2.26
